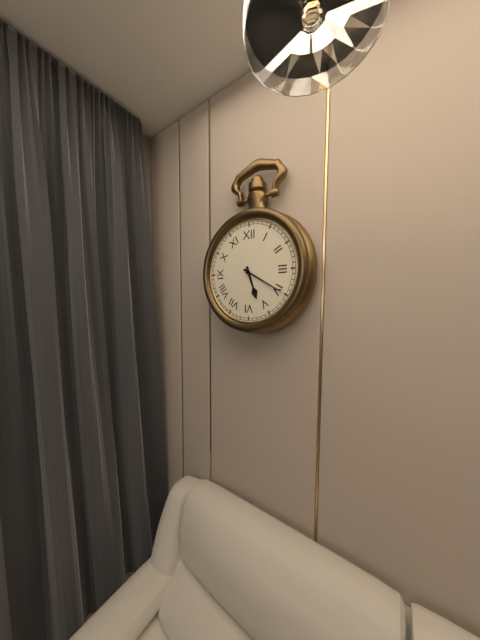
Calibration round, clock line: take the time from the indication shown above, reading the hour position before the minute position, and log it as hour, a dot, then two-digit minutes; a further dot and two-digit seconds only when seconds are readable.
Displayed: 5.20
